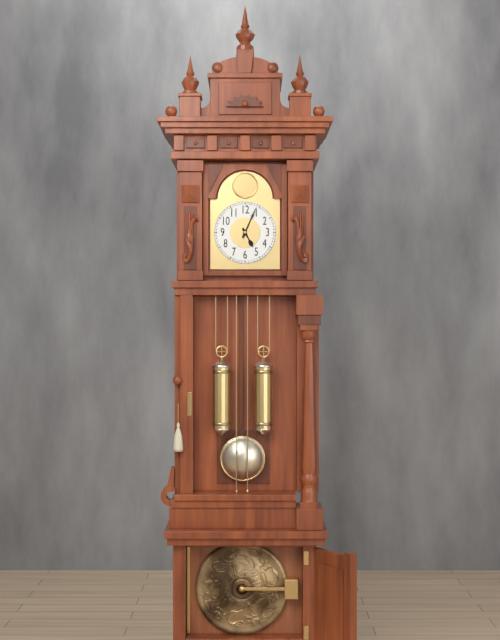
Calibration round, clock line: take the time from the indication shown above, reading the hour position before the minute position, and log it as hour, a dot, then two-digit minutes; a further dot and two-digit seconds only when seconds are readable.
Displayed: 5.04
